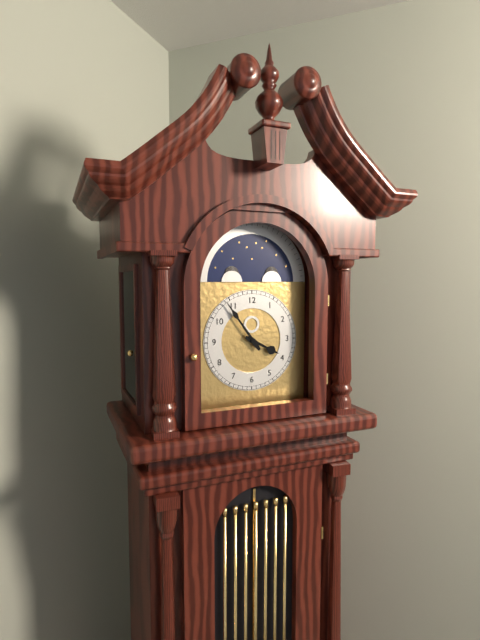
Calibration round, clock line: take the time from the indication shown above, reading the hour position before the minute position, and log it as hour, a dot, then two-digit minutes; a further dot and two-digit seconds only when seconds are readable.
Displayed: 3.54
